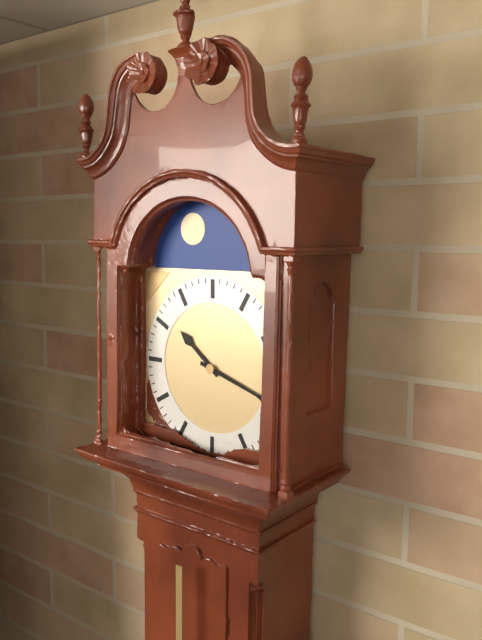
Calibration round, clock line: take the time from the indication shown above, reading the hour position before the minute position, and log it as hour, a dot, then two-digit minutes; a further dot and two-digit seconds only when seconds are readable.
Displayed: 10.18
